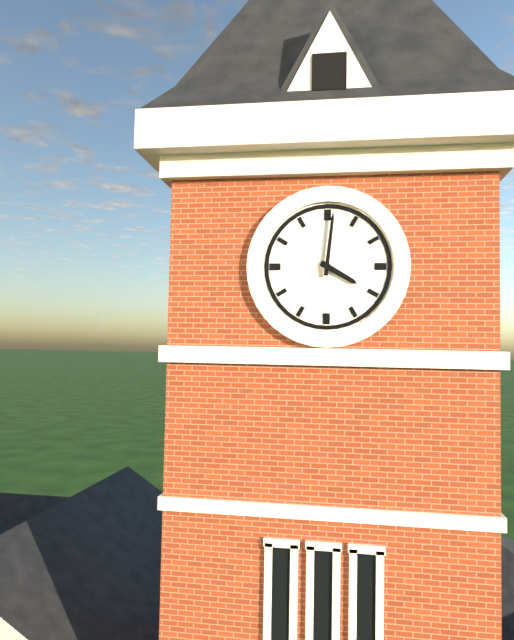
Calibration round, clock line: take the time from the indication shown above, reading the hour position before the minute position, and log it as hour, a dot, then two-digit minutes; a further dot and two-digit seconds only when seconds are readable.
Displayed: 4.01
